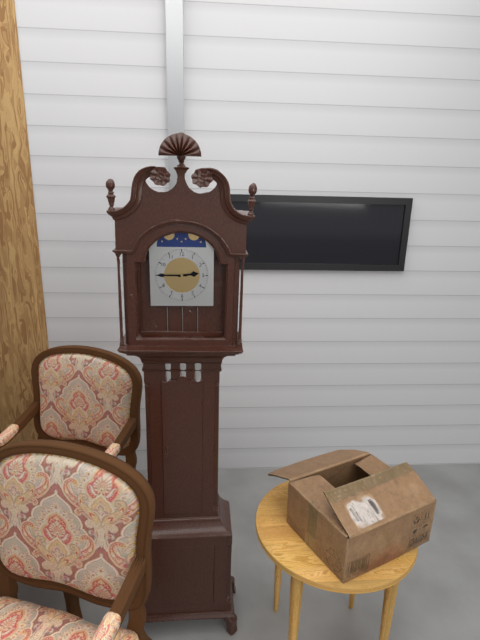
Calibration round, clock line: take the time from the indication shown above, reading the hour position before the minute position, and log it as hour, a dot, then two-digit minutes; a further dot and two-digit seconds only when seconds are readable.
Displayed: 2.45
